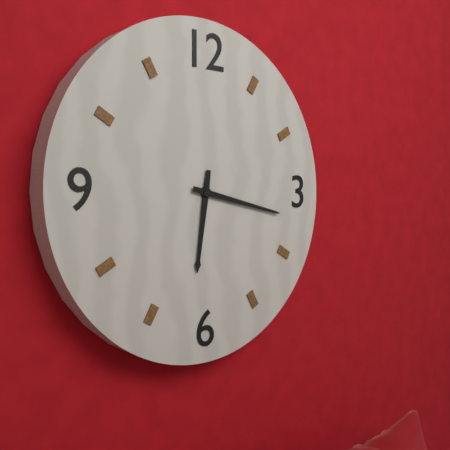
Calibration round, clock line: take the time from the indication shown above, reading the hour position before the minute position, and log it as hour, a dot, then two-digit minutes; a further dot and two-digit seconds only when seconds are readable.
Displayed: 6.17
